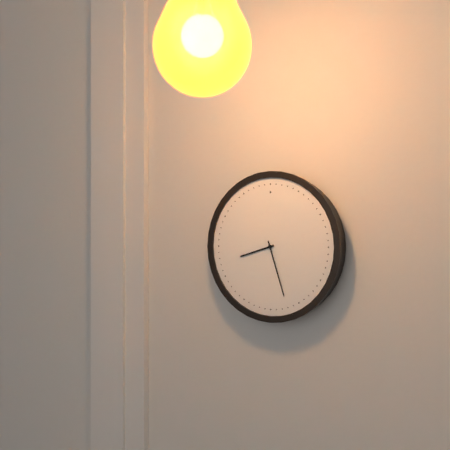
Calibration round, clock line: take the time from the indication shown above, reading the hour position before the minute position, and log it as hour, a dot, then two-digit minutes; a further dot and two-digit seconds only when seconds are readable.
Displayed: 8.27
